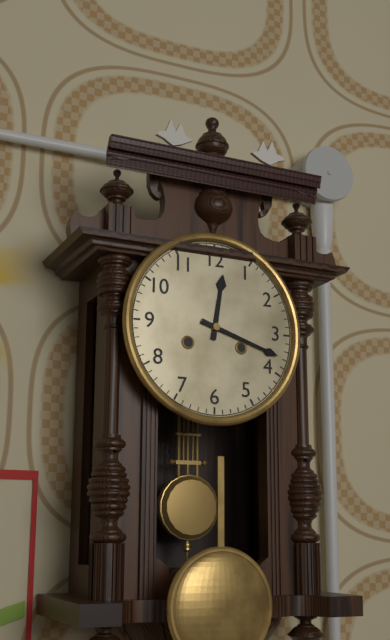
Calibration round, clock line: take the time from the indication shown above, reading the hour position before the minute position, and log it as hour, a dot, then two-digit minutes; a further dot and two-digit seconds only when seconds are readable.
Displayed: 12.18
